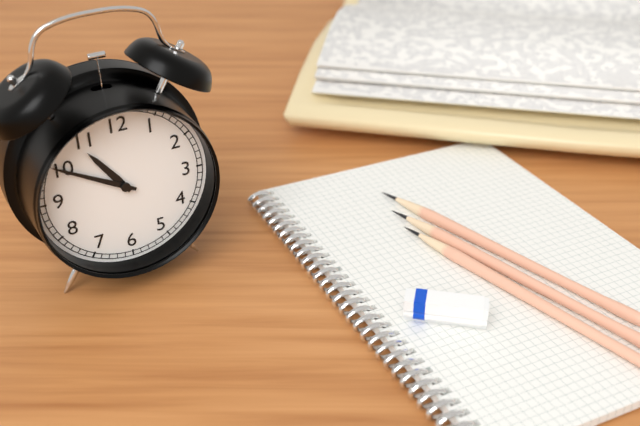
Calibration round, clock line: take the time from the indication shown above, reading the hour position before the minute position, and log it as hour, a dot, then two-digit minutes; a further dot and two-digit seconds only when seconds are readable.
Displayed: 10.50
